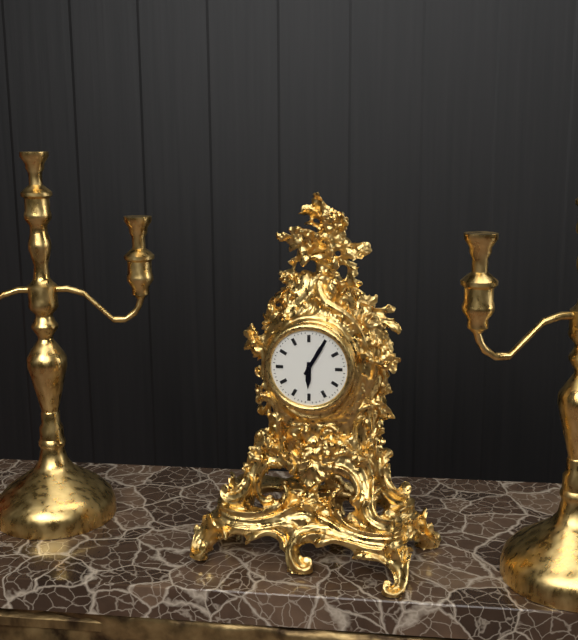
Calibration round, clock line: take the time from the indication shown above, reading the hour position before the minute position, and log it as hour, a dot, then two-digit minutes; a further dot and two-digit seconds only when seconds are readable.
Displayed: 6.05
